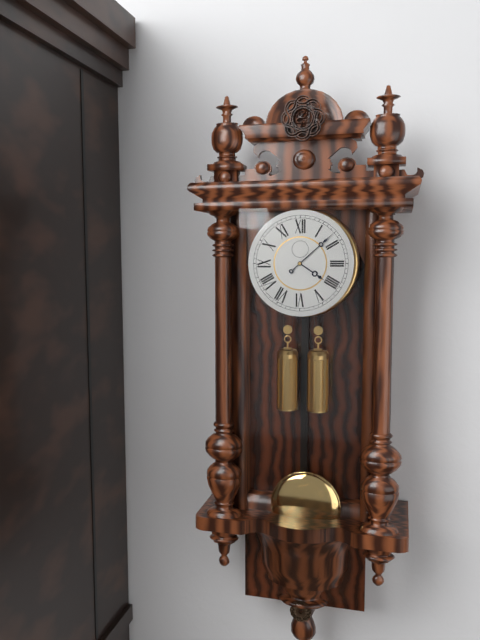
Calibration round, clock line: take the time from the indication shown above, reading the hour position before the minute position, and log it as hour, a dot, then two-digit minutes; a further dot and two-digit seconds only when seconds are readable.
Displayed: 4.08
